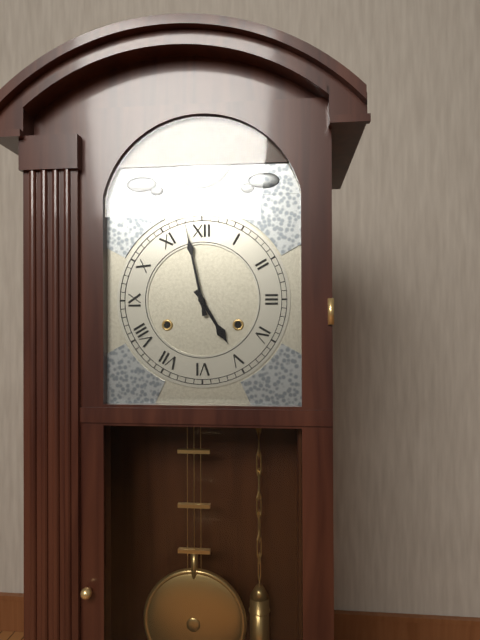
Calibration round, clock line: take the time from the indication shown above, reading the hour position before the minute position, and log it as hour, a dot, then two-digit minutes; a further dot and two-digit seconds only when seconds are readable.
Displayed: 4.58
